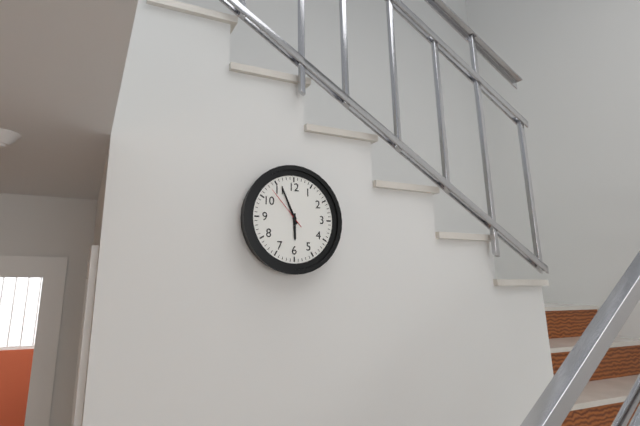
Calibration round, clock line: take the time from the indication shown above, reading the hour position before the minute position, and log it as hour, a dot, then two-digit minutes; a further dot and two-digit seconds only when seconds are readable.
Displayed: 5.56
